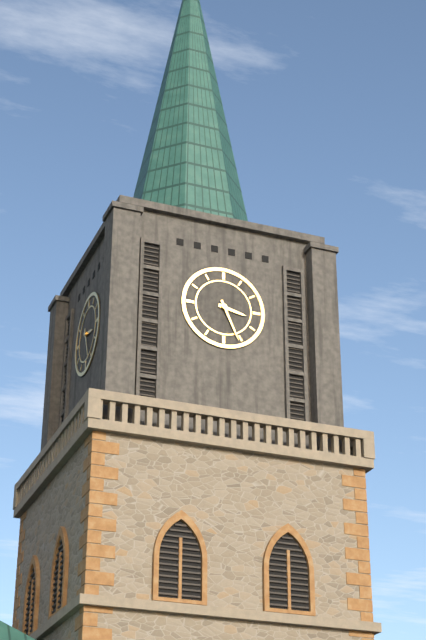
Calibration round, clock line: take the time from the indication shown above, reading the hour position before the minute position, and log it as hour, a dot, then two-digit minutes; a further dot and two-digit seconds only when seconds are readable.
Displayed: 3.26
